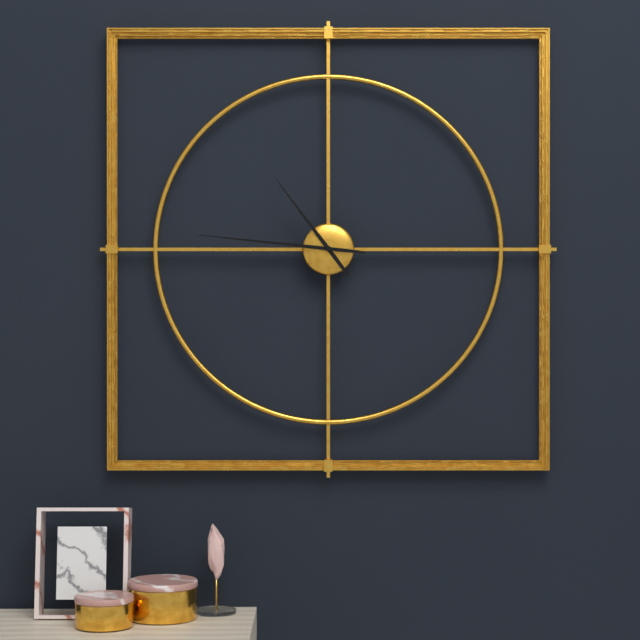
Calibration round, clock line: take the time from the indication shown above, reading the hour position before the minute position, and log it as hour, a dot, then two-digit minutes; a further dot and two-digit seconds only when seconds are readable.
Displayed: 10.46
